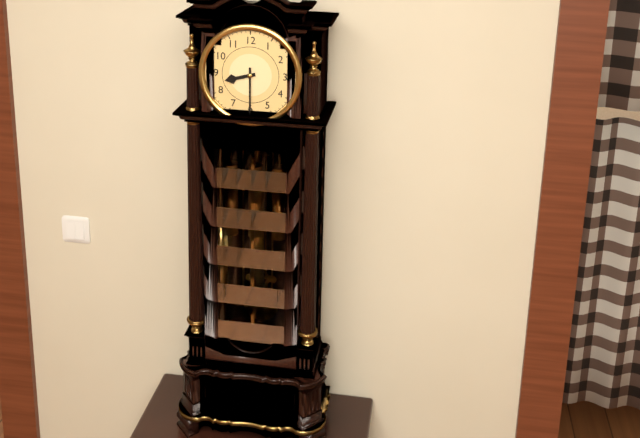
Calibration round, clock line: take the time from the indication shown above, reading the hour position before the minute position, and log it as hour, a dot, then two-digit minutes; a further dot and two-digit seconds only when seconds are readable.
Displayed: 8.30
